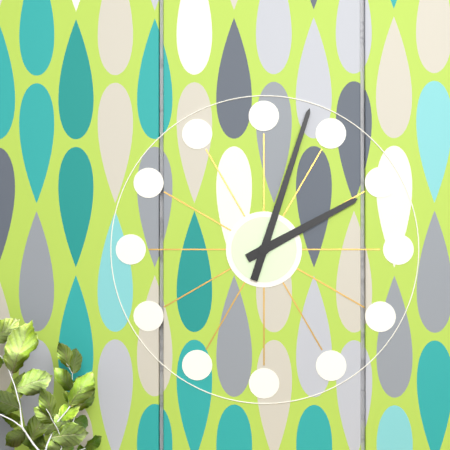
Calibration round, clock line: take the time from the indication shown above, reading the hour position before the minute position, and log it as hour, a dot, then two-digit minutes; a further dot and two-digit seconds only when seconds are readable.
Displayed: 2.03
